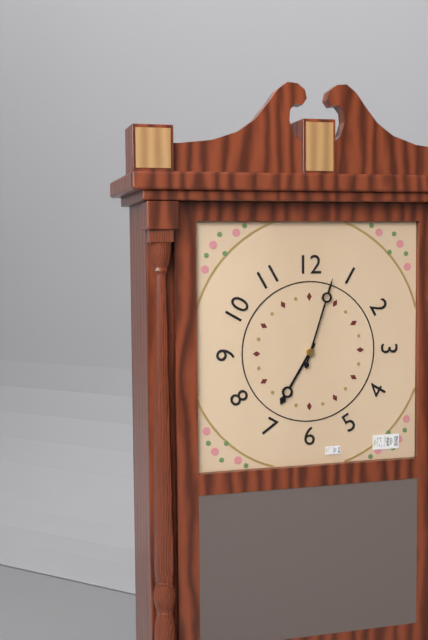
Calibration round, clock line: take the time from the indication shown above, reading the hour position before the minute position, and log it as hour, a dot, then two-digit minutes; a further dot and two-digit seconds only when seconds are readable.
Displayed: 7.03
